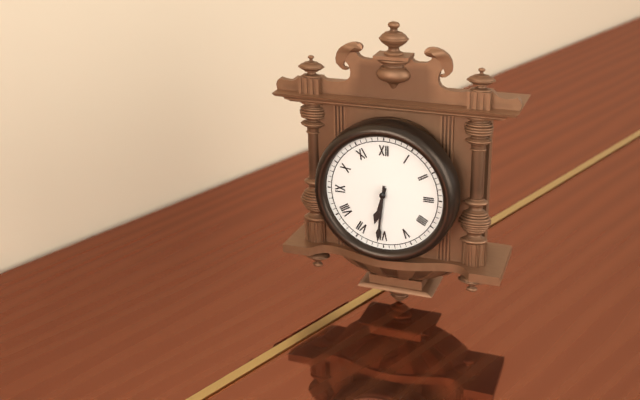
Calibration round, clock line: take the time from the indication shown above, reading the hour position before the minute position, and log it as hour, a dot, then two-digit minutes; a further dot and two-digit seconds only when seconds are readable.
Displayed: 6.31
